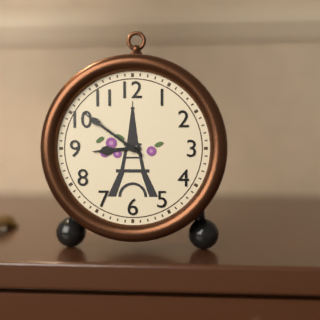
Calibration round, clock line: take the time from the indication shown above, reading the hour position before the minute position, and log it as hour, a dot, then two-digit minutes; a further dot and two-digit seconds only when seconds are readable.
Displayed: 8.51
